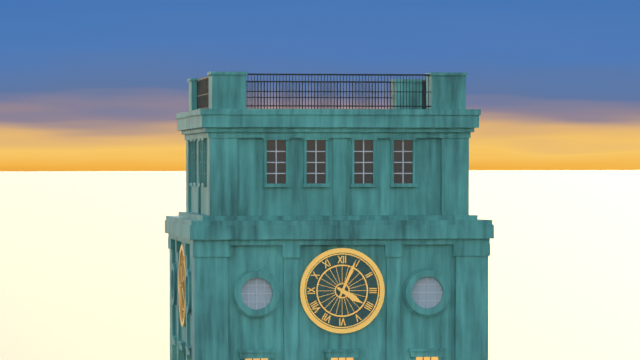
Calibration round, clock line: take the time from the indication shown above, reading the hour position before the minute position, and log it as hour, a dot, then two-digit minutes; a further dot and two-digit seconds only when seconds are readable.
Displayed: 4.04
